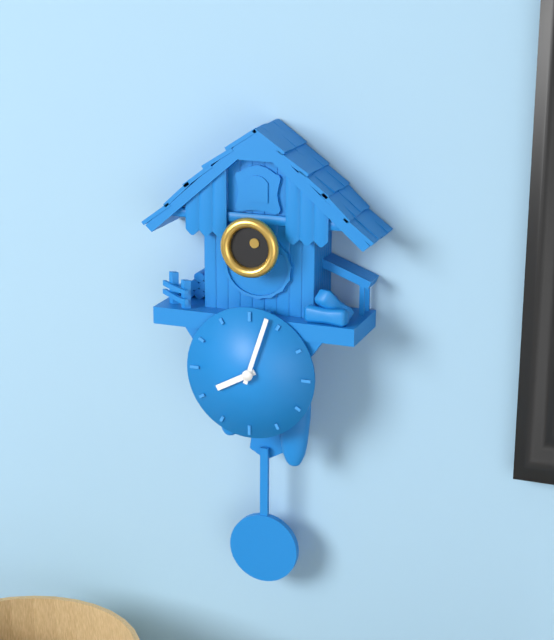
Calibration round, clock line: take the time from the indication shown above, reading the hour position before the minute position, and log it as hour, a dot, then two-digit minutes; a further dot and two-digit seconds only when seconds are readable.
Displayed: 8.03
